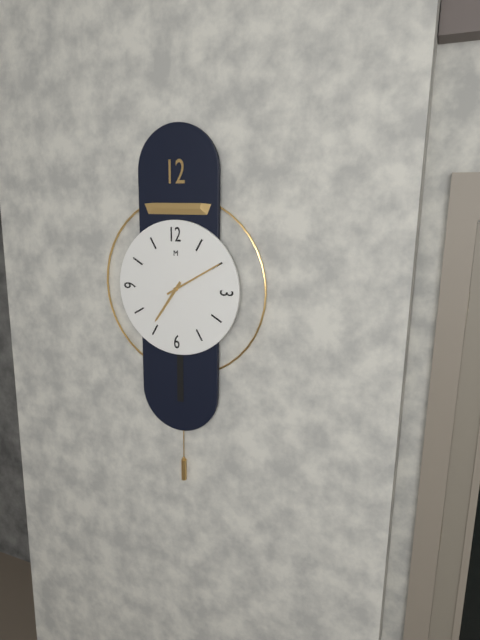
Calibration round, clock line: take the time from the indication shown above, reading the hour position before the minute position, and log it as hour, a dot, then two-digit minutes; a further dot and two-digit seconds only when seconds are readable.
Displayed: 7.10
